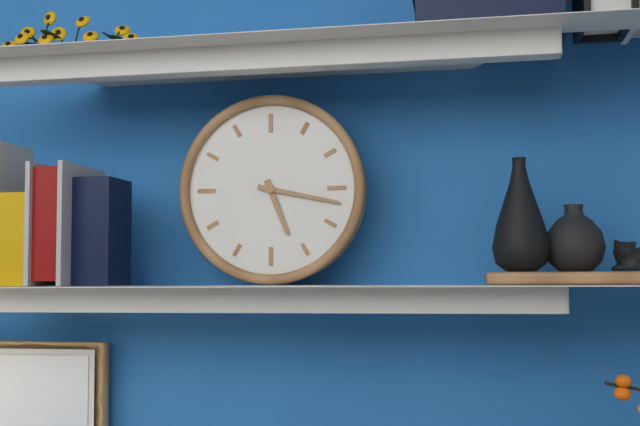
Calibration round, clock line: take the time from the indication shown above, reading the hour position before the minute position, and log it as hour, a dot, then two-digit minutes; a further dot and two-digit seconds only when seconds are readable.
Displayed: 5.17
